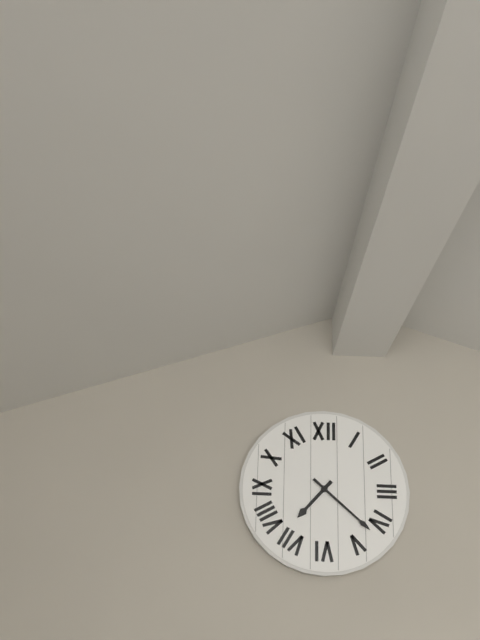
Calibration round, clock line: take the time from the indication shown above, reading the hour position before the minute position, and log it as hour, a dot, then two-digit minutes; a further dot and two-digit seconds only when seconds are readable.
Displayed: 7.22
